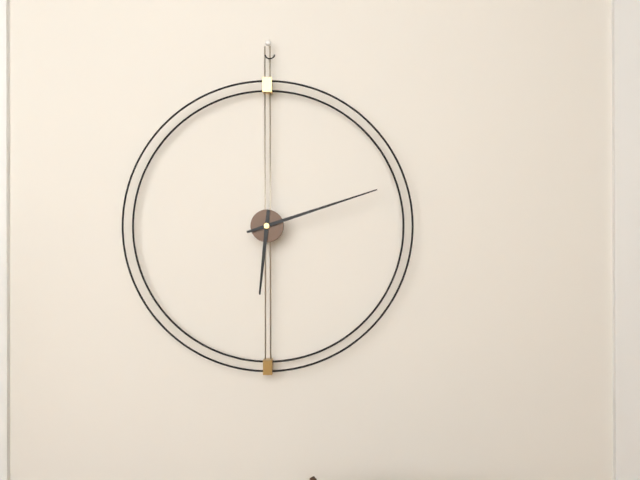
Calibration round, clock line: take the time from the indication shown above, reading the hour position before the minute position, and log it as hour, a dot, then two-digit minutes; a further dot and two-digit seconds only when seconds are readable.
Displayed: 6.12
